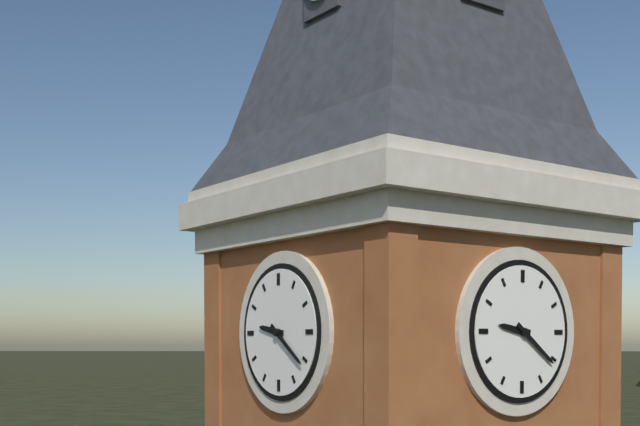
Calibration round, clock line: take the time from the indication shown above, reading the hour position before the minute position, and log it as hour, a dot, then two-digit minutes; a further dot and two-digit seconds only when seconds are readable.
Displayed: 9.21
